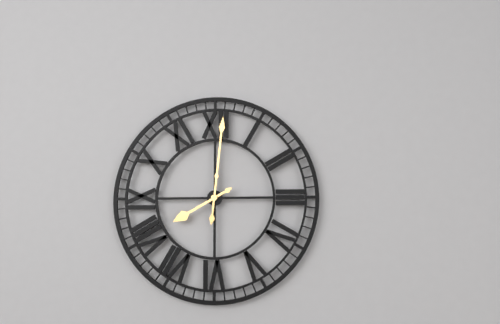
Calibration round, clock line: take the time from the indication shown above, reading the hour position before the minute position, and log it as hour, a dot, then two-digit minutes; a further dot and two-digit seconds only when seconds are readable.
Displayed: 8.01
